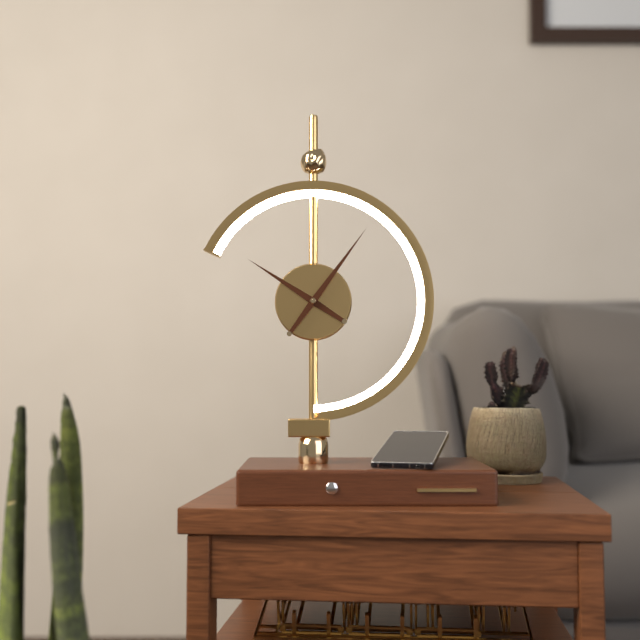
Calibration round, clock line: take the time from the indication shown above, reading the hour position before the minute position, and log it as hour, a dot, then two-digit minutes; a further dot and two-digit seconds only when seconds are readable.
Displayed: 10.06
